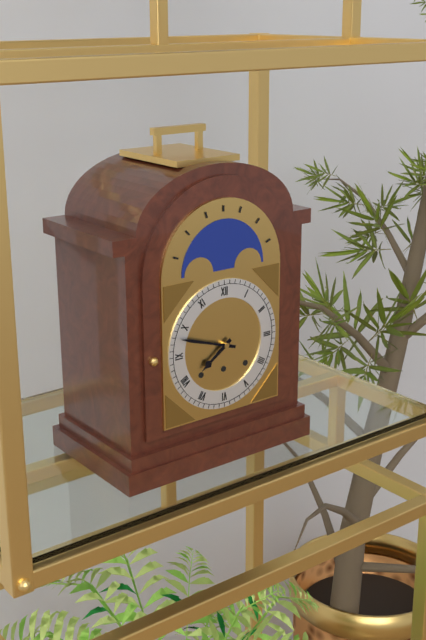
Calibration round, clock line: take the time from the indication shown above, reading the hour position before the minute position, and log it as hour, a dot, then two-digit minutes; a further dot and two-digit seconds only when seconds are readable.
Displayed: 7.48
